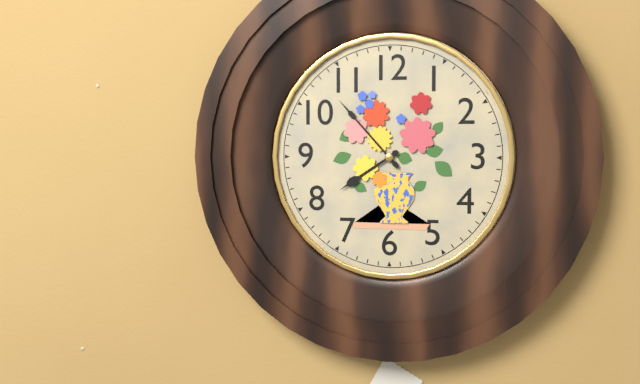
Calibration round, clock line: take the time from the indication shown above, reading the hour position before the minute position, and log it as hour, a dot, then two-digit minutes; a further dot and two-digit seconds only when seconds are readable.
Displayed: 7.53
